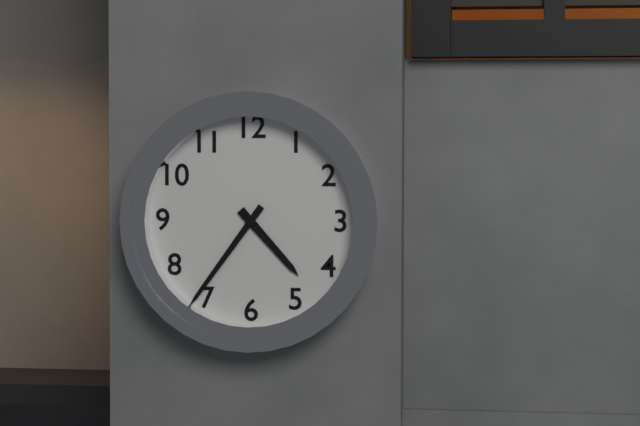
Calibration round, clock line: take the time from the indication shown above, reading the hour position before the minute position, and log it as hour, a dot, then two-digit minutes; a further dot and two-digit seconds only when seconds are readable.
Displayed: 4.36
